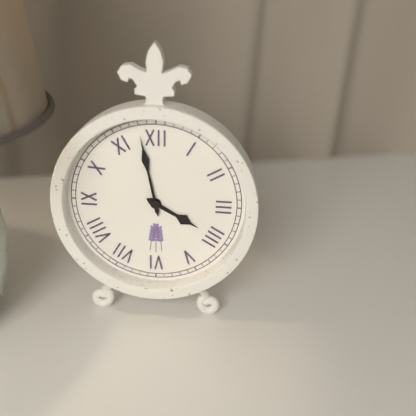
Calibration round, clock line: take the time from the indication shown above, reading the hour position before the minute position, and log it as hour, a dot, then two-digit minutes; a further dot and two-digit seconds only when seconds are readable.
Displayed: 3.58
